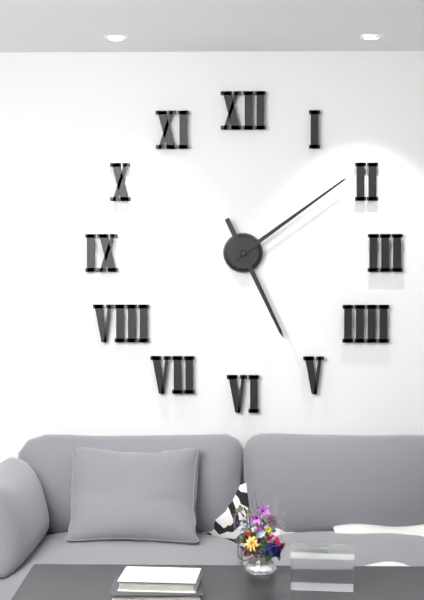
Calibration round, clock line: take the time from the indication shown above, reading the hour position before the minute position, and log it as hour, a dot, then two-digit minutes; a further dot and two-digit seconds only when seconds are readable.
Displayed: 5.09
